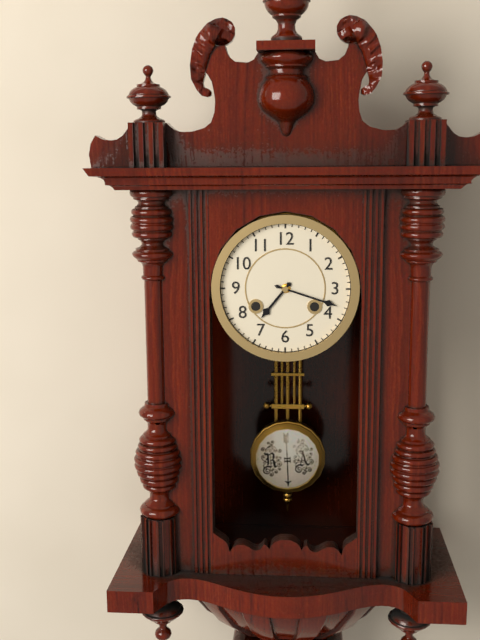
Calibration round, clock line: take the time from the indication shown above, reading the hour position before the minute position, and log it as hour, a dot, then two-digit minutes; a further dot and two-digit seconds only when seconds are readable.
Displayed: 7.18
